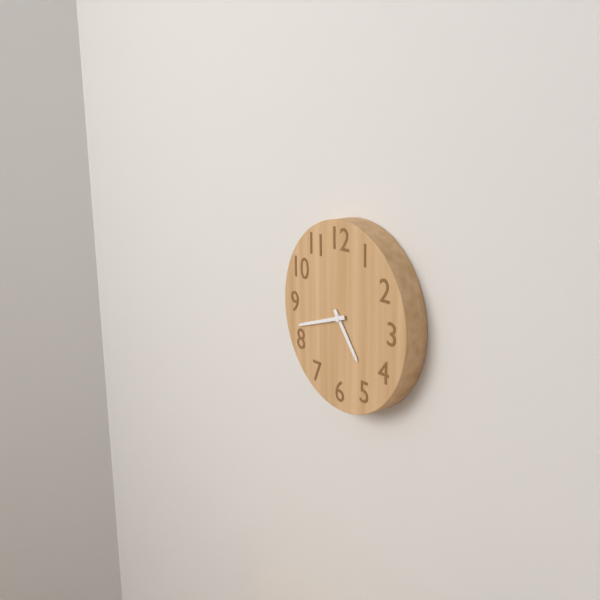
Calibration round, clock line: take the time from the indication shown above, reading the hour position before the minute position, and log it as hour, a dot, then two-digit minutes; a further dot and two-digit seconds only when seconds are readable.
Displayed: 4.42
